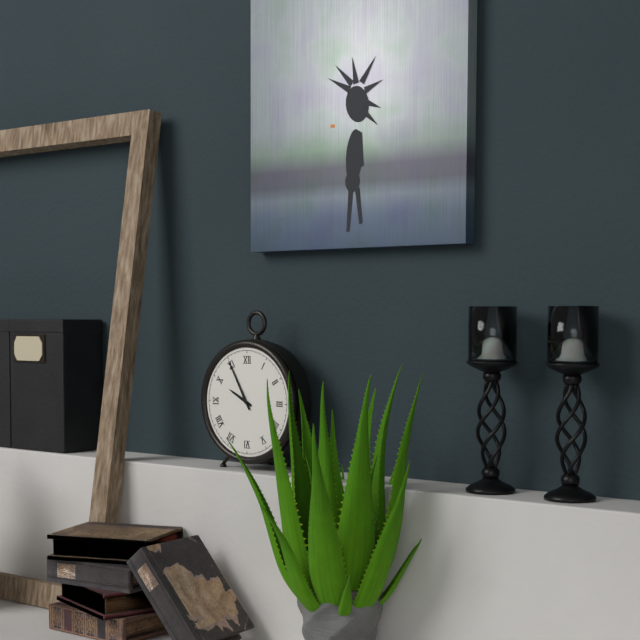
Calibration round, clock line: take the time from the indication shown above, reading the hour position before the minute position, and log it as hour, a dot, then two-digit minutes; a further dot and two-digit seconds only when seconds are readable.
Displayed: 9.55
